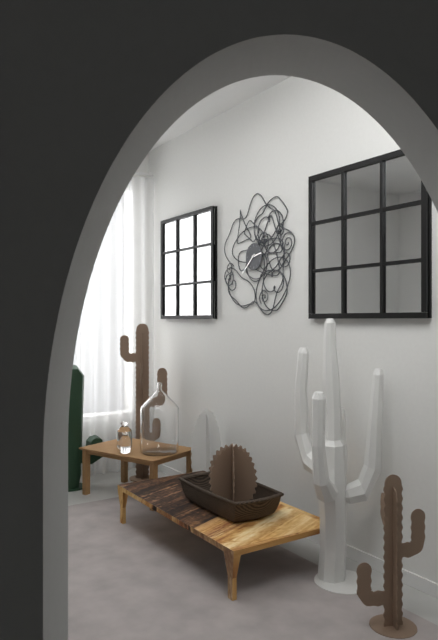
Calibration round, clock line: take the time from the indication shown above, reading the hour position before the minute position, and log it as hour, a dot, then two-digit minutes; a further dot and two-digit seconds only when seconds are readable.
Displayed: 2.38
